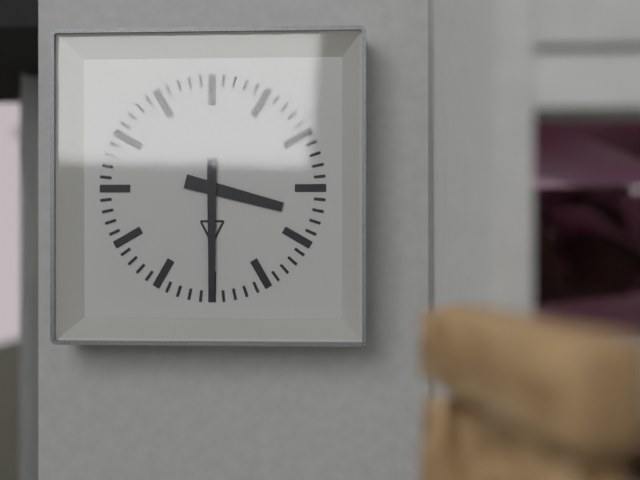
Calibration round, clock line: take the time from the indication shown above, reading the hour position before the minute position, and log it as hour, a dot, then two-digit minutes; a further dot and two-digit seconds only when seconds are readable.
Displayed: 3.30
